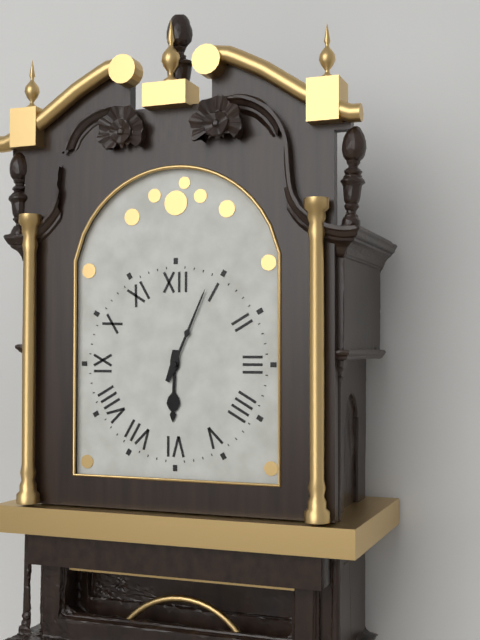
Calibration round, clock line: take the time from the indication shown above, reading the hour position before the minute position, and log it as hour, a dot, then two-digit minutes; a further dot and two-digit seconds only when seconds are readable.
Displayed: 6.04
